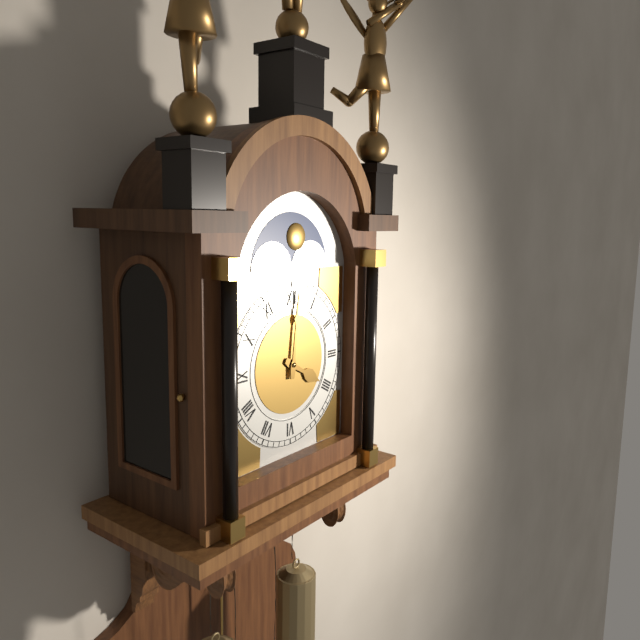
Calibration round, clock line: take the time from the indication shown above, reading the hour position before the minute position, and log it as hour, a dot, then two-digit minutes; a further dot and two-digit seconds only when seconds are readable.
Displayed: 4.01
